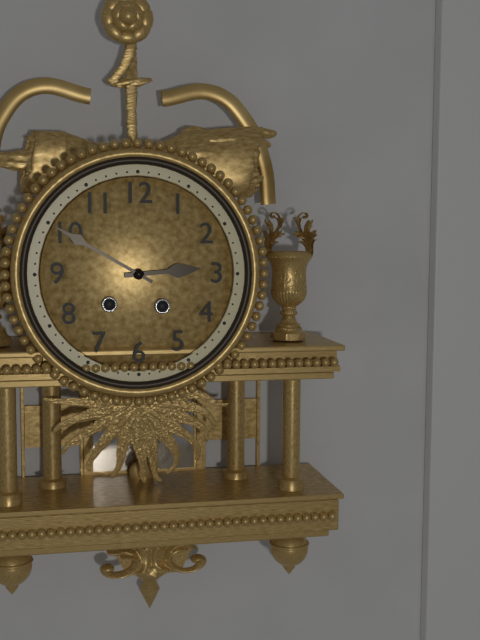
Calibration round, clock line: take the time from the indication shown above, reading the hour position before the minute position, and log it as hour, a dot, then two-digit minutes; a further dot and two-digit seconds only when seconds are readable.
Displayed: 2.50
